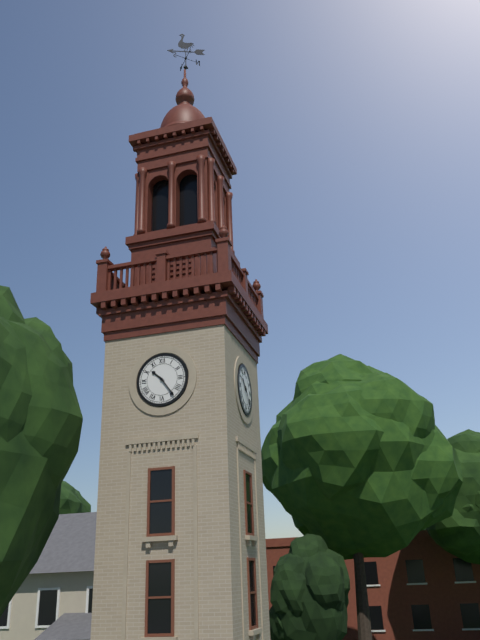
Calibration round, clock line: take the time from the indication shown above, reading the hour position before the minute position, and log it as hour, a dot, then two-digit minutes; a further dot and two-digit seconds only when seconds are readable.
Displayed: 10.24
